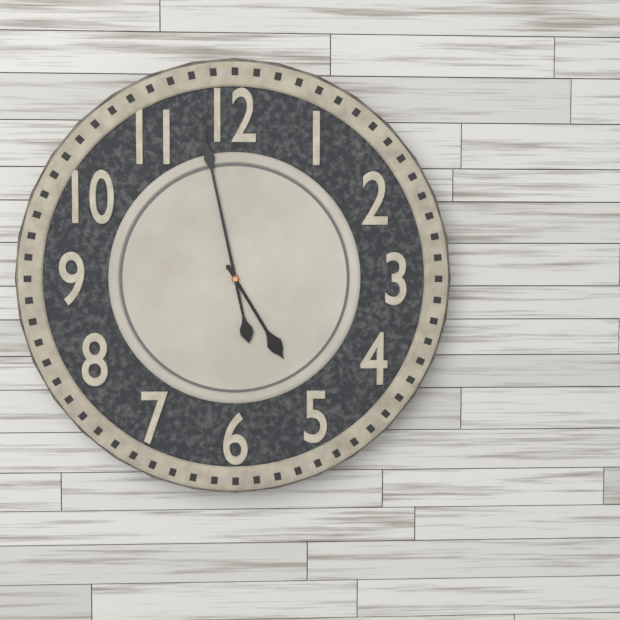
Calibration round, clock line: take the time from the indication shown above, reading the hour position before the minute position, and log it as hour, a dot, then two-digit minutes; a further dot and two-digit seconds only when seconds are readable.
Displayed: 4.58
